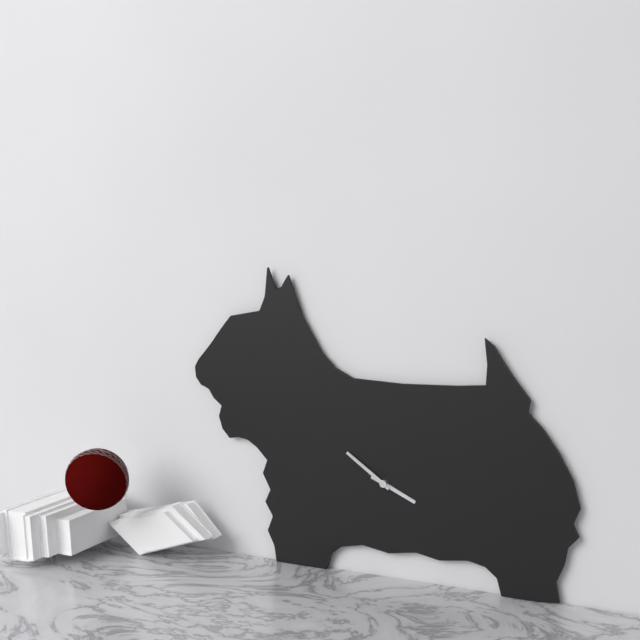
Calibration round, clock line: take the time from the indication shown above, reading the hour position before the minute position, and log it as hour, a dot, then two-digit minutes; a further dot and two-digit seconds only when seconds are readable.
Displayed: 3.51
